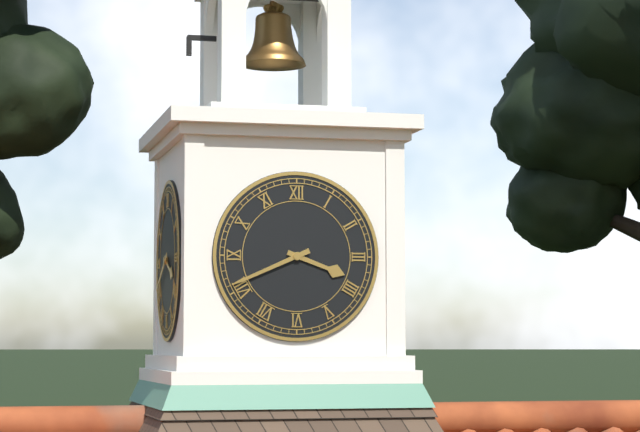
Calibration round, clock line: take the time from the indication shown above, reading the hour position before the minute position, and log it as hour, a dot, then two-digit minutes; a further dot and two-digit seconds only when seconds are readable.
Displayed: 3.41
